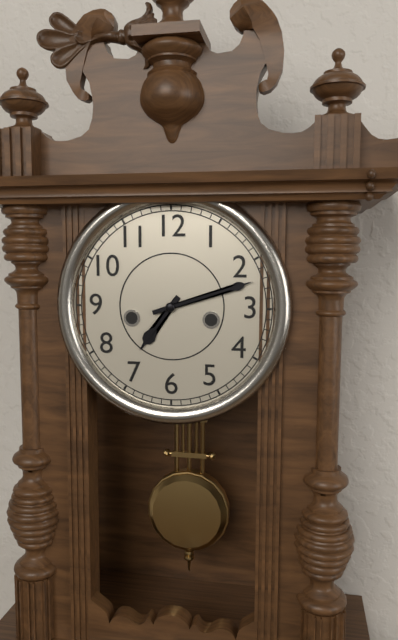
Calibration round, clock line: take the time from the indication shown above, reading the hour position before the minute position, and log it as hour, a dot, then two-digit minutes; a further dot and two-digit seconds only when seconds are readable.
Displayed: 7.12
